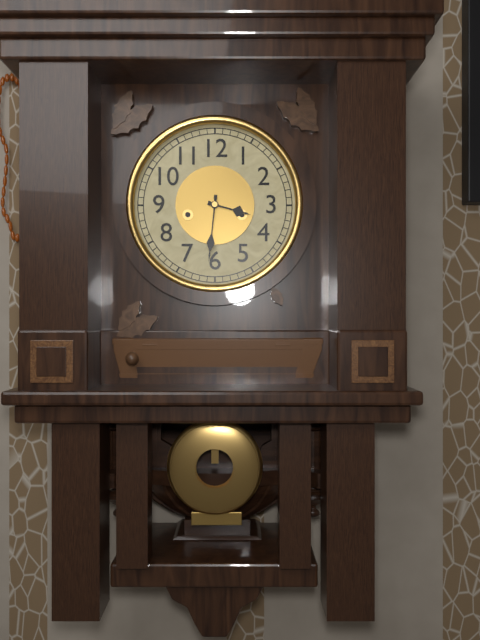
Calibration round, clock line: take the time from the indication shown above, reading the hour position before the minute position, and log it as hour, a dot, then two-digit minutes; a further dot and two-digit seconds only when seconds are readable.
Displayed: 3.31
